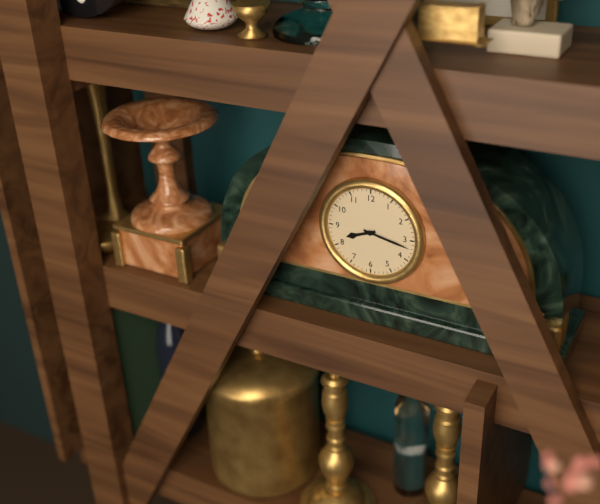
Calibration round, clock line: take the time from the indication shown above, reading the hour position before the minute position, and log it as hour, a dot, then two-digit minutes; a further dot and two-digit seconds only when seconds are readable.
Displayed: 8.17
